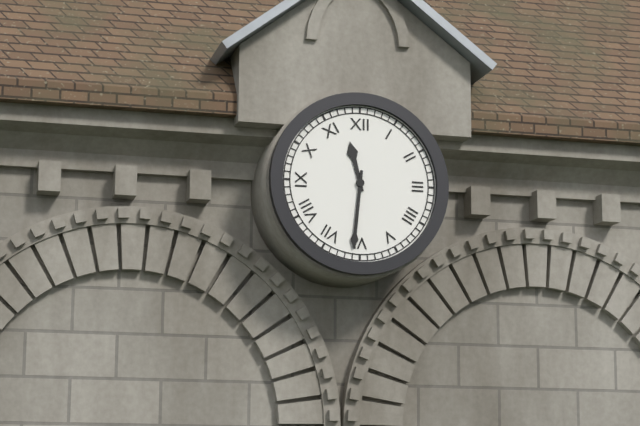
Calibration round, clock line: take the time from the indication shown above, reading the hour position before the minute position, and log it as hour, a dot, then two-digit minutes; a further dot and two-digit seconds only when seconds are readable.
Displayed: 11.31
